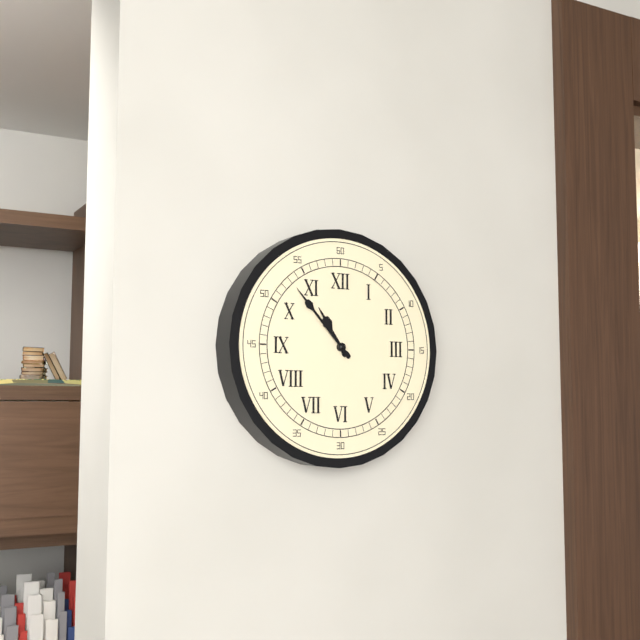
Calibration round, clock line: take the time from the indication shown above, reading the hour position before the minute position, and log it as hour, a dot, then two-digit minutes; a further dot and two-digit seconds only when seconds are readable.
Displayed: 10.53
